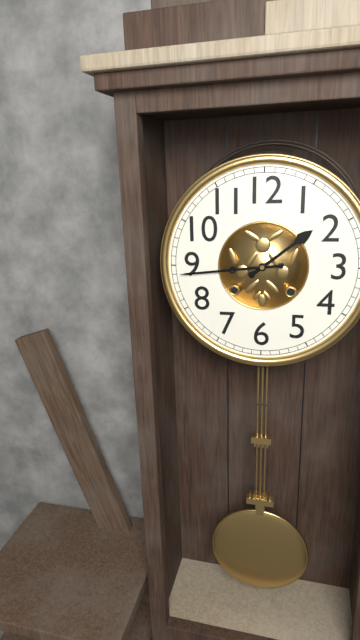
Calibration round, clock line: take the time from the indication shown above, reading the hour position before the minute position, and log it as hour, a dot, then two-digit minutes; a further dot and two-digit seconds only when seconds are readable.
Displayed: 1.44
